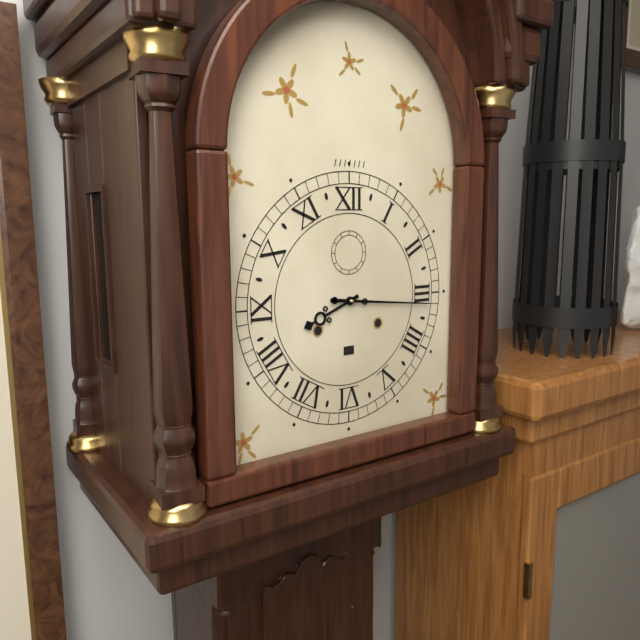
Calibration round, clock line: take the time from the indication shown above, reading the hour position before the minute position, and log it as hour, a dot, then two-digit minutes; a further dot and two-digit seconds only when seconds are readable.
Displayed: 8.16
